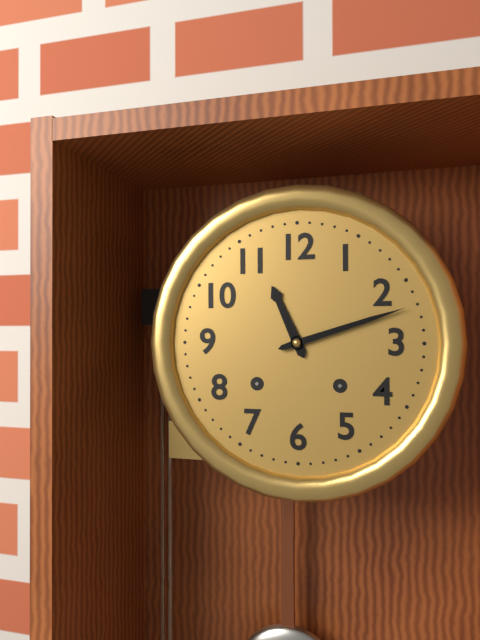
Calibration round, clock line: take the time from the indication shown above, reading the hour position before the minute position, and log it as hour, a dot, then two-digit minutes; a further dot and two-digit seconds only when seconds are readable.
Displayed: 11.12
